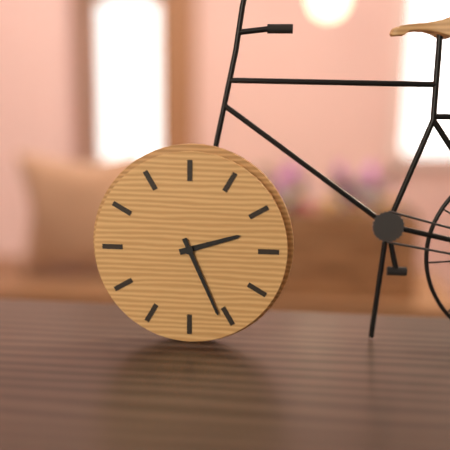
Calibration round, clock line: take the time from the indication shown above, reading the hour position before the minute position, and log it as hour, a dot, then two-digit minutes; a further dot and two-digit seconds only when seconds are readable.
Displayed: 2.26
